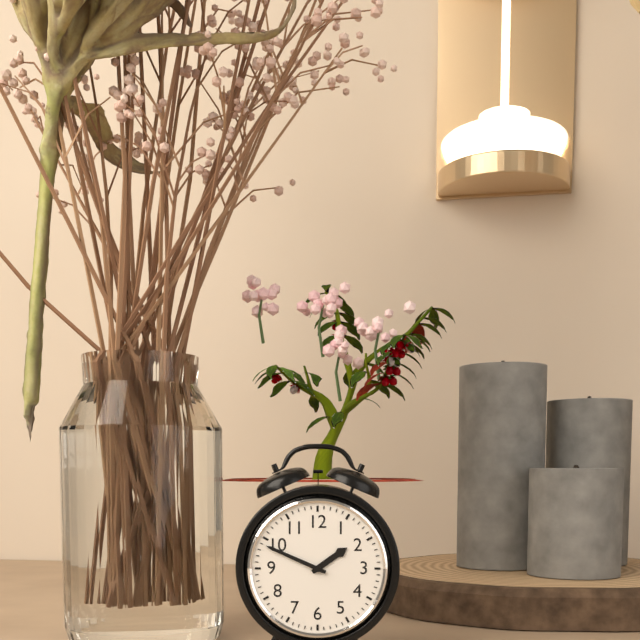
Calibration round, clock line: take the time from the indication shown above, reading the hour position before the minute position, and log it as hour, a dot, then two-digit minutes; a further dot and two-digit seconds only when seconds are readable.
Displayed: 1.49
